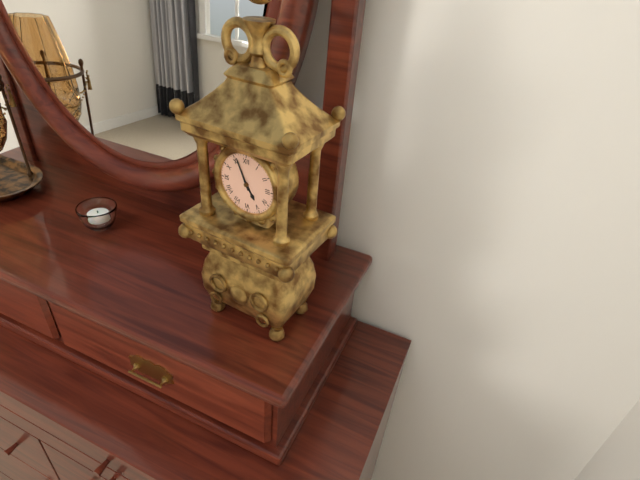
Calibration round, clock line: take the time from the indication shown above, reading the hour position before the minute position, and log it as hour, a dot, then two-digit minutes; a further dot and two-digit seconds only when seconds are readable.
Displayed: 4.56
